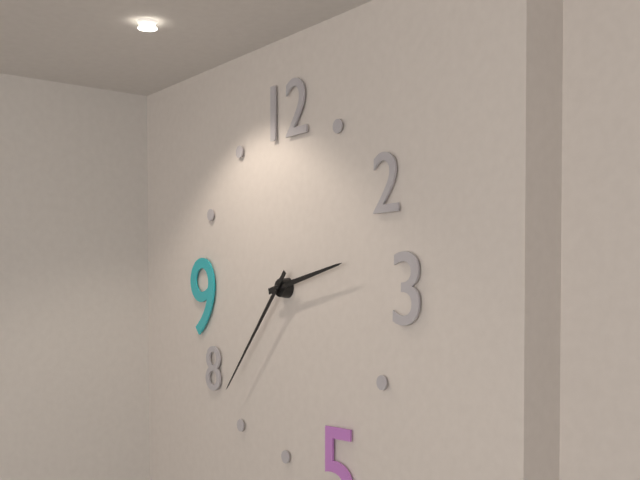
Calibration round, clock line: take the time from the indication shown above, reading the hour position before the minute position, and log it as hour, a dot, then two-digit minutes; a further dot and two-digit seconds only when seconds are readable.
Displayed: 2.37
